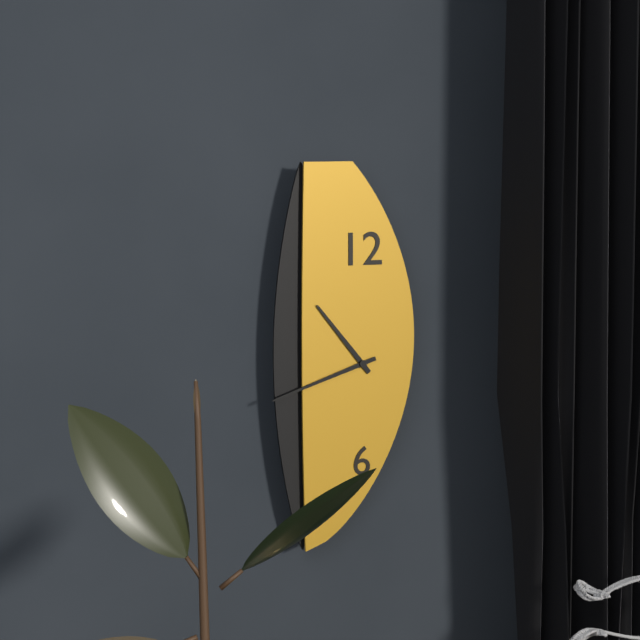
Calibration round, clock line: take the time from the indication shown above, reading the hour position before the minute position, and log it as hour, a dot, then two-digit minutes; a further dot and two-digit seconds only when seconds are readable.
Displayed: 10.42
